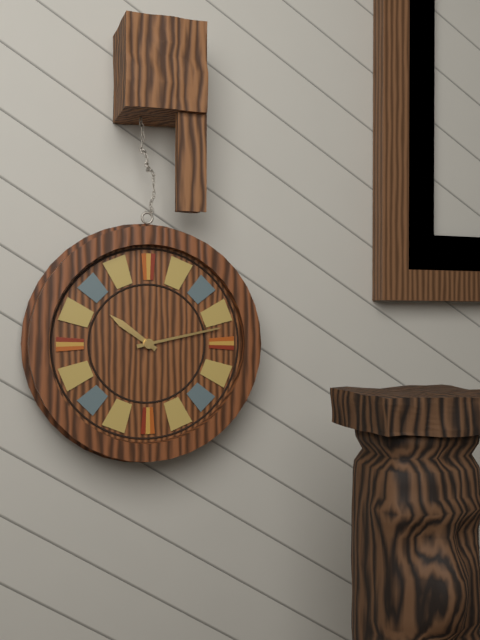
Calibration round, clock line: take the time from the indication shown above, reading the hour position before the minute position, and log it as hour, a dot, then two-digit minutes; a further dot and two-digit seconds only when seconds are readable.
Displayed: 10.13
